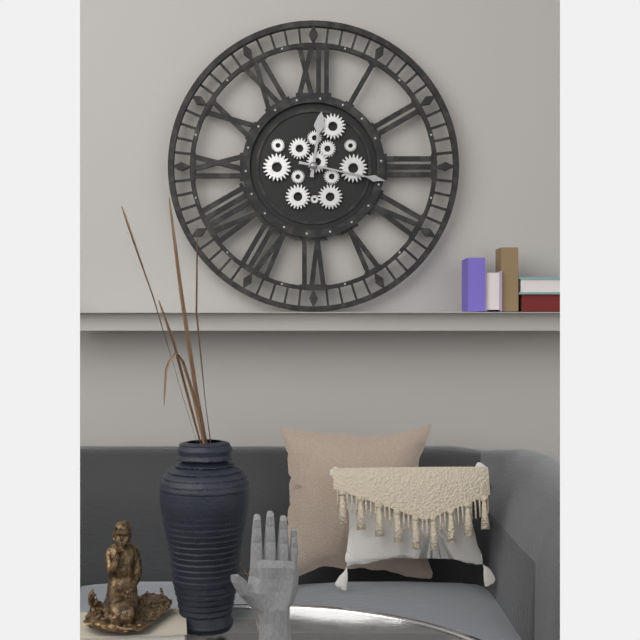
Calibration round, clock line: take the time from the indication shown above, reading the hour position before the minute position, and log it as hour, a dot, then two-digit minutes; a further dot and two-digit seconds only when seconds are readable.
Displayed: 12.17
